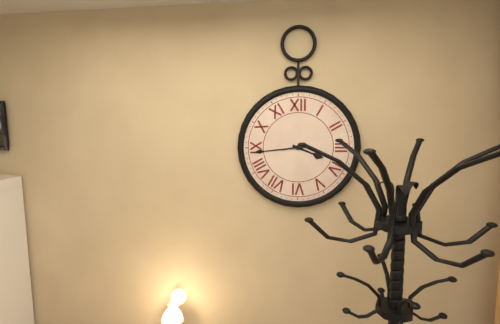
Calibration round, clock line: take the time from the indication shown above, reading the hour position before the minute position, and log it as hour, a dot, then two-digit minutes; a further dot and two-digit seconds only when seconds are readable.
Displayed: 3.44
